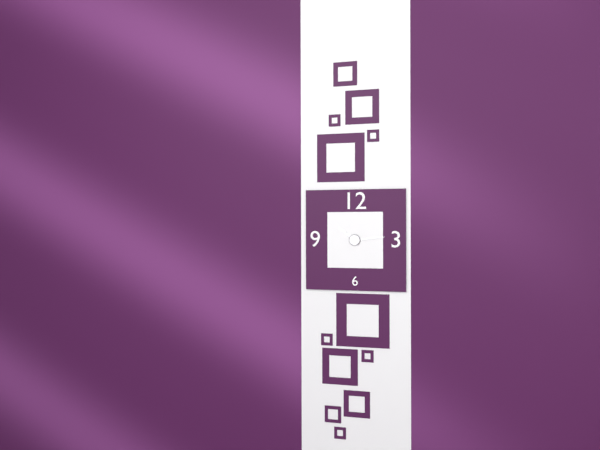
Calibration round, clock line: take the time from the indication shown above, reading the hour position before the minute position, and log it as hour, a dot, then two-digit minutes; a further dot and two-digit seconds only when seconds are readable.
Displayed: 10.14
